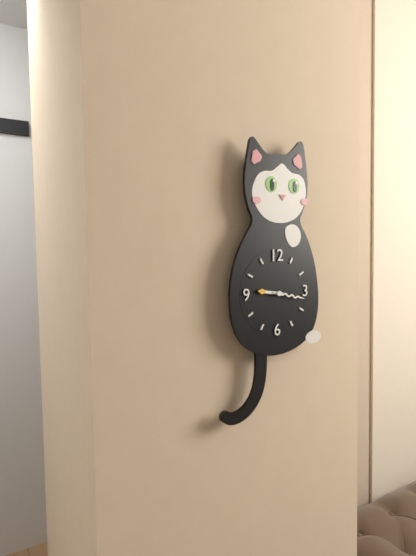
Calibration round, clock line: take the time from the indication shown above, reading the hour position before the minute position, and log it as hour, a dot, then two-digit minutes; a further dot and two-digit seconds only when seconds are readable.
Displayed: 9.17
